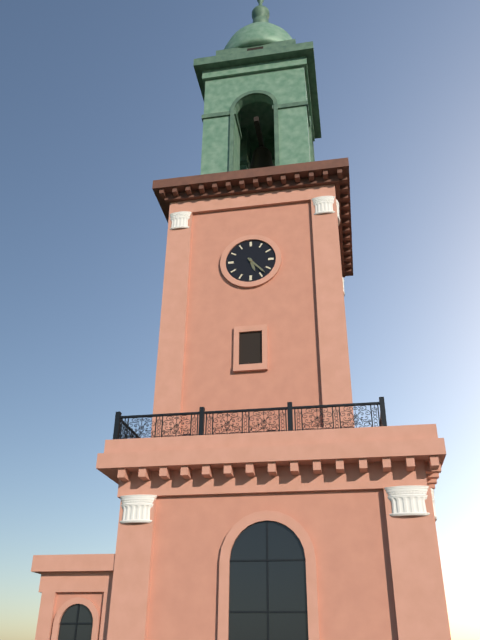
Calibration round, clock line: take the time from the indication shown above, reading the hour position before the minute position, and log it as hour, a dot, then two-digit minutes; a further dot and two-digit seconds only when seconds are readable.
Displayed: 5.23
